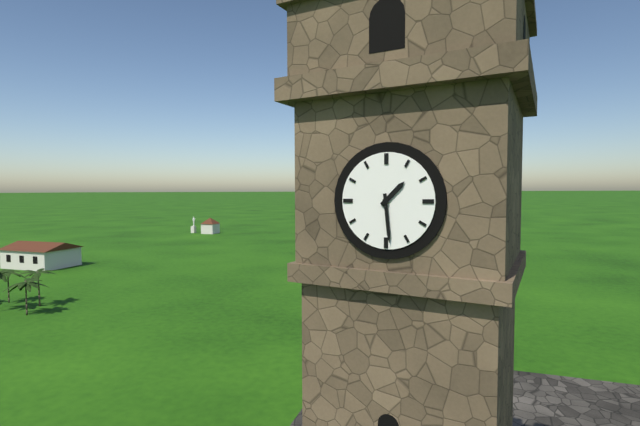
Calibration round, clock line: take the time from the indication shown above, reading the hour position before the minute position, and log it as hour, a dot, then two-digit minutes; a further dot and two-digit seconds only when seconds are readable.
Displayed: 1.29
